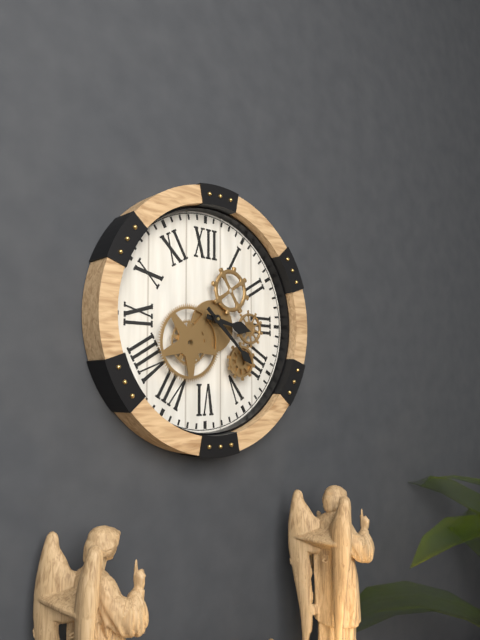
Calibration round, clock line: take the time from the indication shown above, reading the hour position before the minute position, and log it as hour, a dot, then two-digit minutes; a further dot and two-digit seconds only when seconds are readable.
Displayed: 3.22
